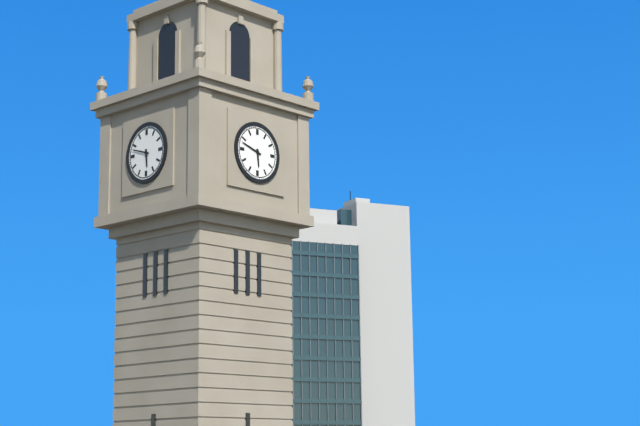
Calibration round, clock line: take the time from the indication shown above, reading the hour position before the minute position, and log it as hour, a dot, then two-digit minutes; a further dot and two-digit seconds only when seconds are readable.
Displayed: 5.48
